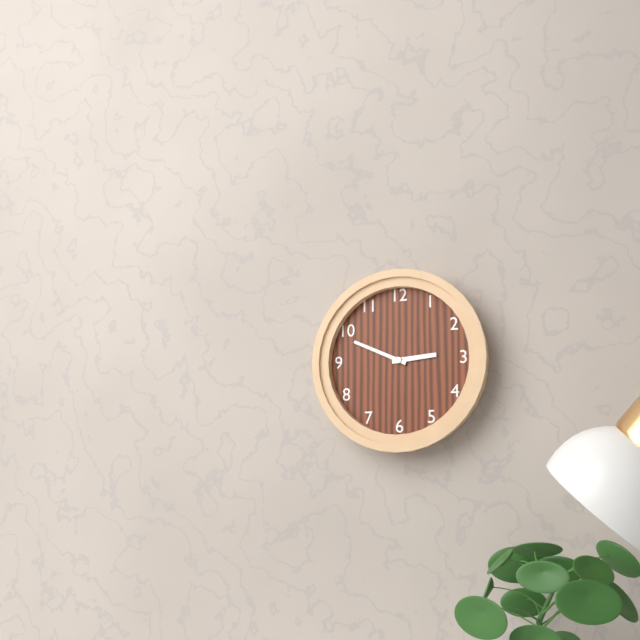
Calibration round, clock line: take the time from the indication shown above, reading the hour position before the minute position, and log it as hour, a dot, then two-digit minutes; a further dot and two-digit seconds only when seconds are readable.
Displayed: 2.49
